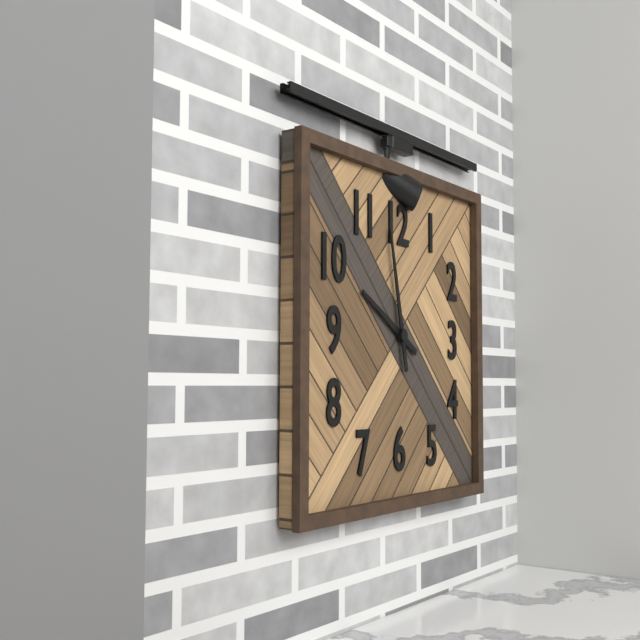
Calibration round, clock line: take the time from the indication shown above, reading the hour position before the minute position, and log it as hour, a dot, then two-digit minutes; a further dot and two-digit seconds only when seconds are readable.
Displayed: 9.58
